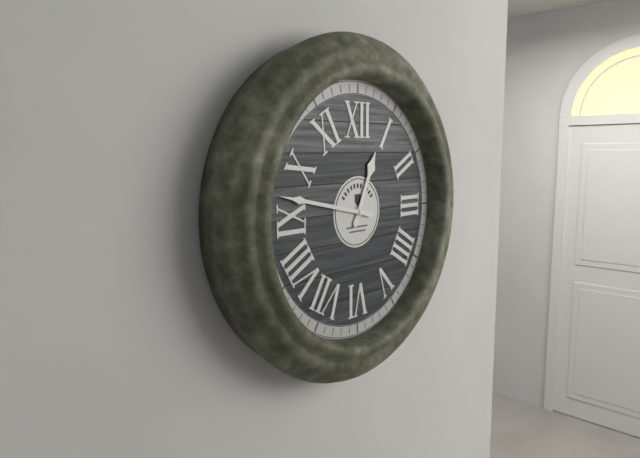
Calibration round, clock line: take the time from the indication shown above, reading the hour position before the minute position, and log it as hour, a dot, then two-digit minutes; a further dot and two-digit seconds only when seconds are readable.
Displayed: 12.47
